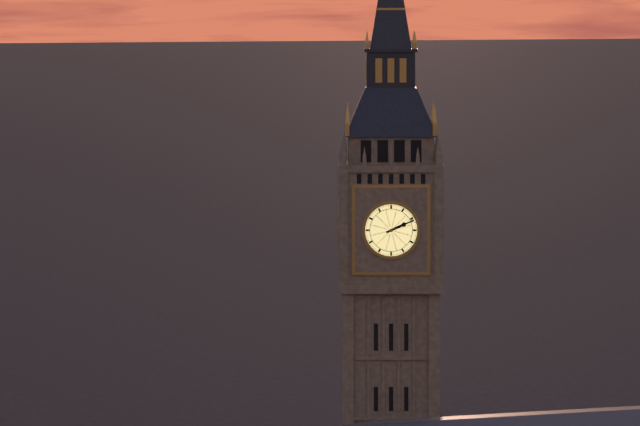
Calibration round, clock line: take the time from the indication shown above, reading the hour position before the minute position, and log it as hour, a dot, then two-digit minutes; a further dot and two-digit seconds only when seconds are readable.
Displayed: 2.11
